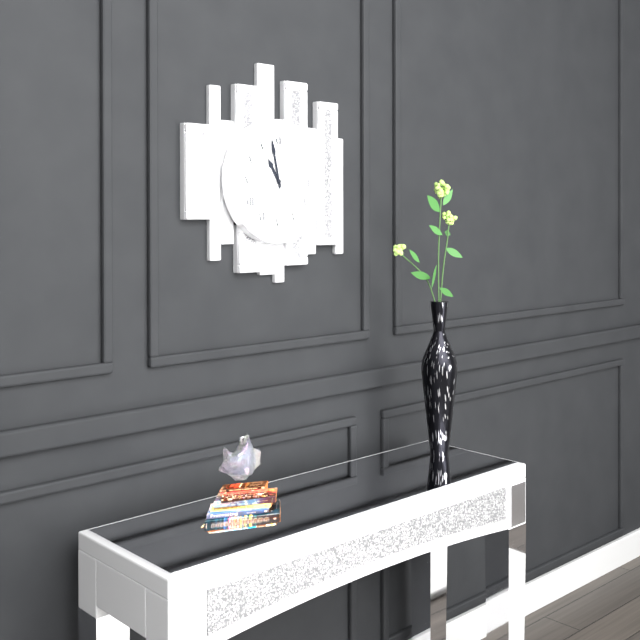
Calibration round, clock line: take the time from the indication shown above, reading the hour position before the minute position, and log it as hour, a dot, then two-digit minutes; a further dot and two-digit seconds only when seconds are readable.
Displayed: 10.58
